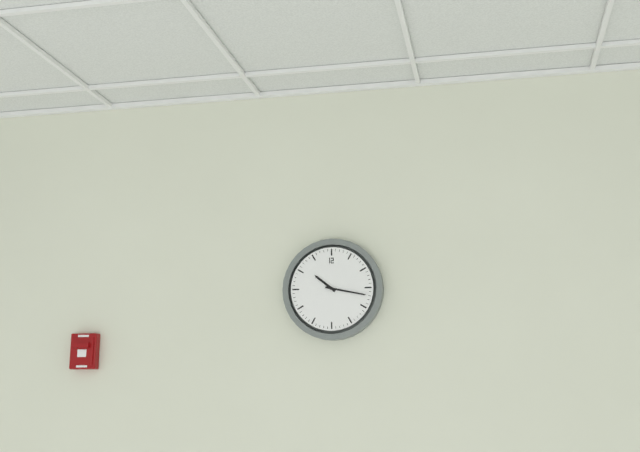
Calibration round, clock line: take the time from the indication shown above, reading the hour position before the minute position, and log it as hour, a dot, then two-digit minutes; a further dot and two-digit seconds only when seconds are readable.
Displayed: 10.17
